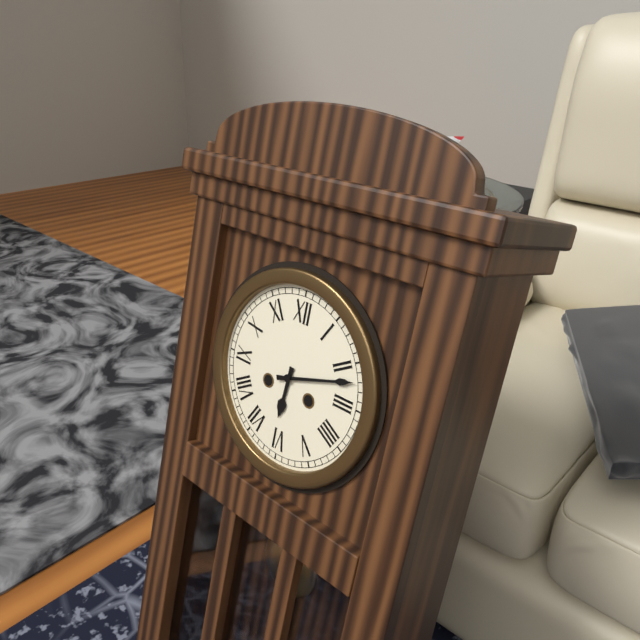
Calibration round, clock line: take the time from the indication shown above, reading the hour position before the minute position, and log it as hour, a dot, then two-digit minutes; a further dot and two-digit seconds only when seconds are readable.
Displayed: 6.12
